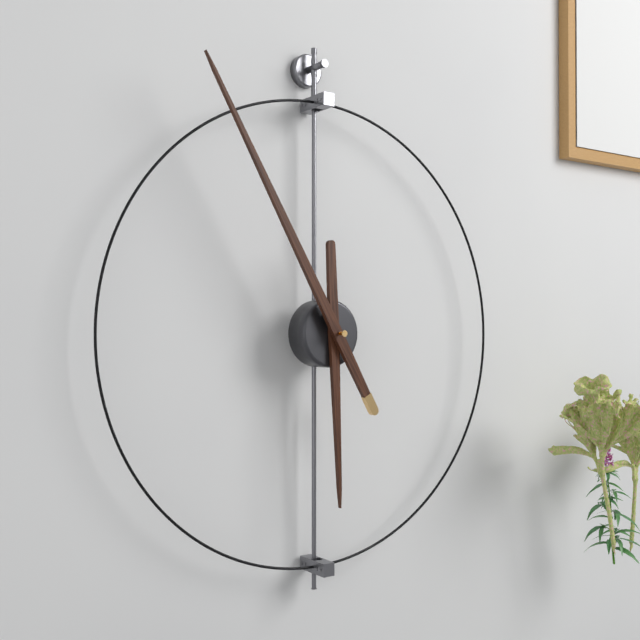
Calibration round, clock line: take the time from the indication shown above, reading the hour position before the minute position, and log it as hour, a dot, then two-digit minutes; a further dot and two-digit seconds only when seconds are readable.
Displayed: 5.55
